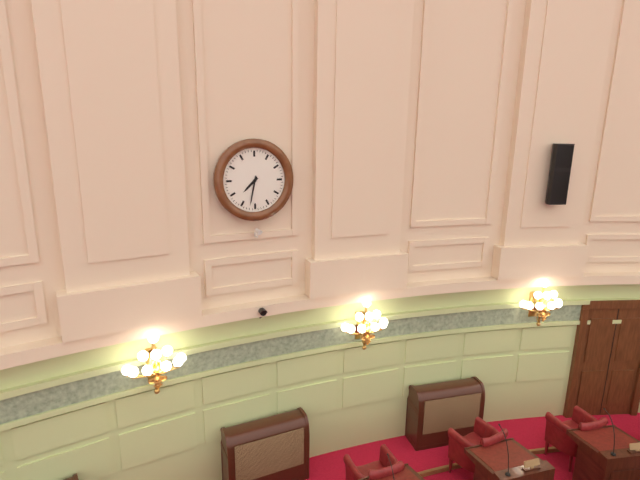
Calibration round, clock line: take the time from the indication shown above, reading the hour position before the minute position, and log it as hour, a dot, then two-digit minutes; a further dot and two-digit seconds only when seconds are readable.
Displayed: 7.32
